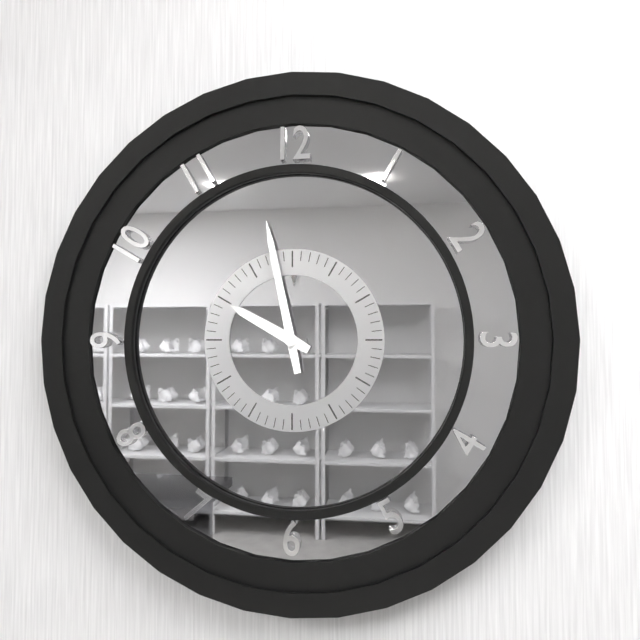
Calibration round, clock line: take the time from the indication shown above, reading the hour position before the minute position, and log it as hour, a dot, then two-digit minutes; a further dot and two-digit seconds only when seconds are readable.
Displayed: 9.58
